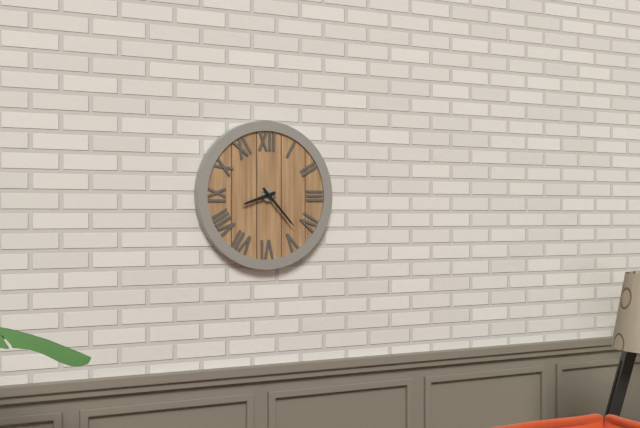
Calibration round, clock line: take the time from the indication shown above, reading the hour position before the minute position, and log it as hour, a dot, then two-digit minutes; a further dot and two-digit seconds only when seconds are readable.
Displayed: 8.23
